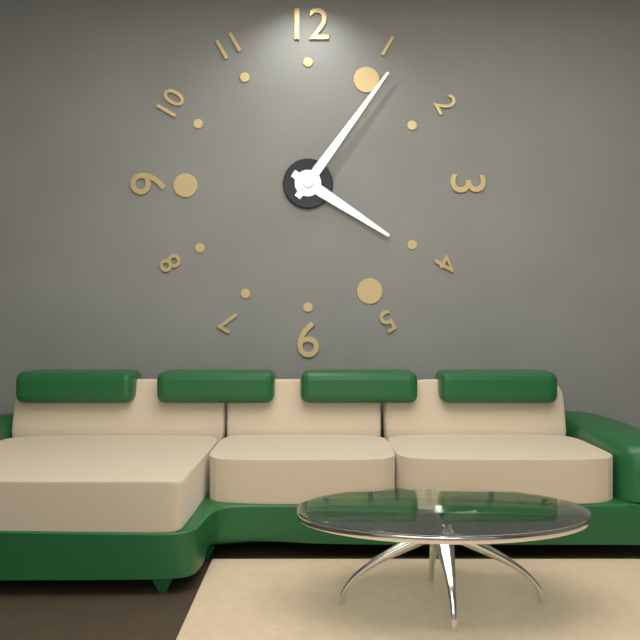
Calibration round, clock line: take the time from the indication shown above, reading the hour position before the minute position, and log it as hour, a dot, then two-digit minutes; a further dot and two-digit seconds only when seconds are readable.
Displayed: 4.06
